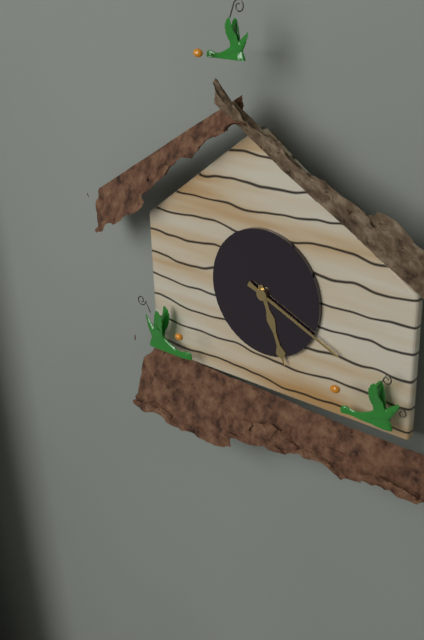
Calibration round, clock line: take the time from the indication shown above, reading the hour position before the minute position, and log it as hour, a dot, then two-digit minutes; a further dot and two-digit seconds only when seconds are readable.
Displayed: 5.19
